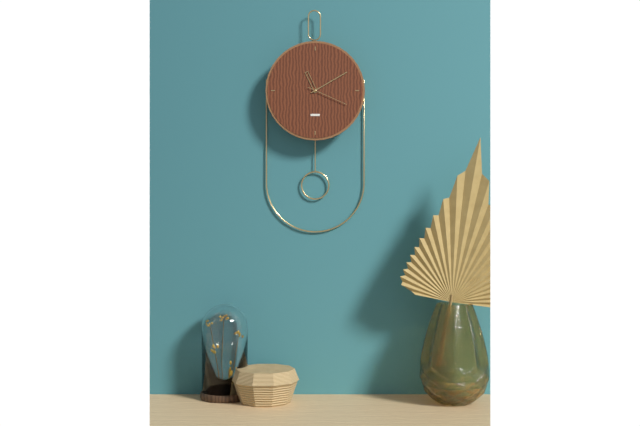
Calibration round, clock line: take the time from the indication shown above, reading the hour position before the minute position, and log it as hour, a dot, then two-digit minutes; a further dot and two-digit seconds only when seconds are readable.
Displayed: 11.10
